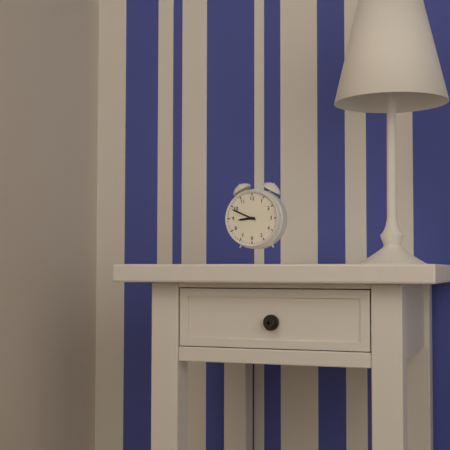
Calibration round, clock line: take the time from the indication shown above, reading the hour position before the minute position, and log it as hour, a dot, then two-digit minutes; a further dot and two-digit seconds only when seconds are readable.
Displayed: 8.49
